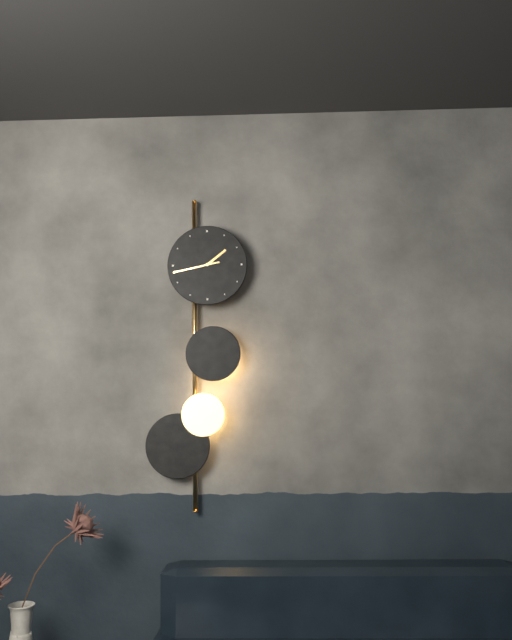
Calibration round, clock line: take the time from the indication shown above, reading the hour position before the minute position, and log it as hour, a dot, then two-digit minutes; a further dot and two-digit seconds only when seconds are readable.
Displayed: 1.43
